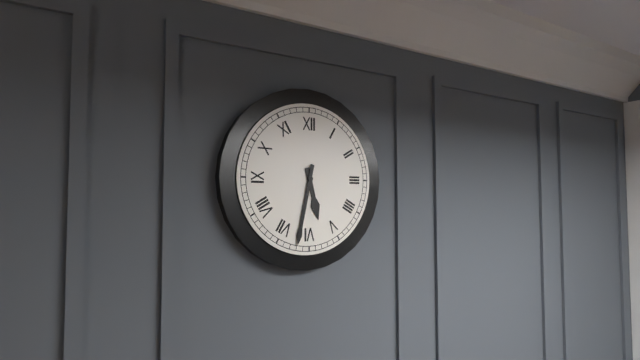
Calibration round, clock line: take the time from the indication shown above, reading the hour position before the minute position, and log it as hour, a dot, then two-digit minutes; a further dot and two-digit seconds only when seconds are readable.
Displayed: 5.32
